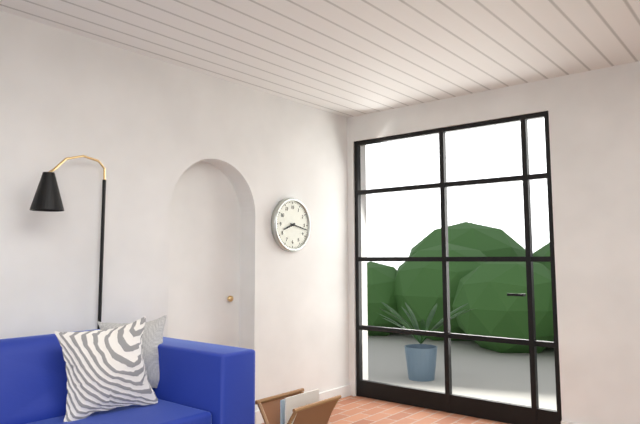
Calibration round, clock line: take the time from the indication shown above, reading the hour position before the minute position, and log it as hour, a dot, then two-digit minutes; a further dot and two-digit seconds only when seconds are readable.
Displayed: 8.17
